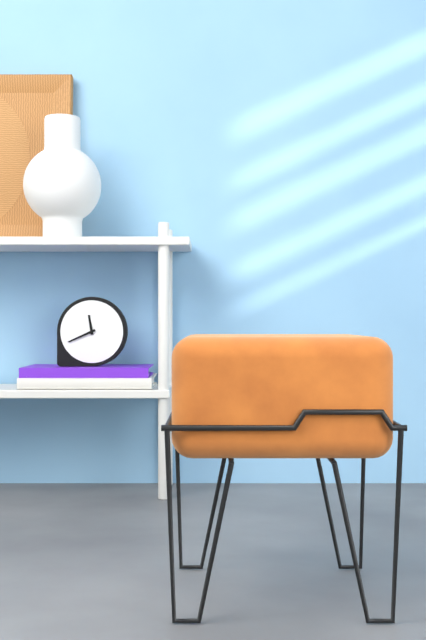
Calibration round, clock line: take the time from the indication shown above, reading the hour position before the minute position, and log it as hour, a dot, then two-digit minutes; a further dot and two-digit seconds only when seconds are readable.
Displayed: 11.41
